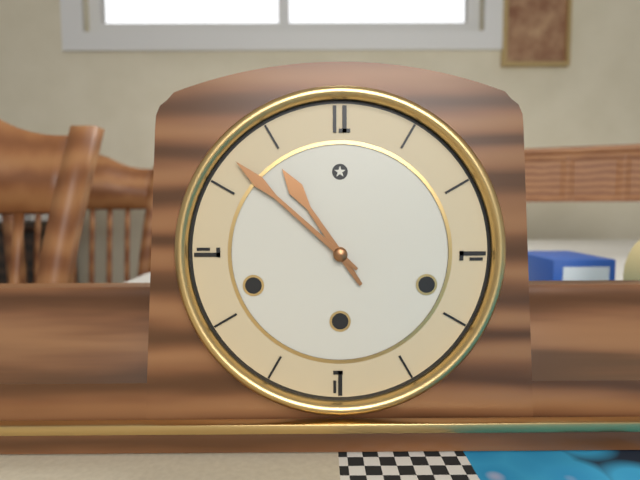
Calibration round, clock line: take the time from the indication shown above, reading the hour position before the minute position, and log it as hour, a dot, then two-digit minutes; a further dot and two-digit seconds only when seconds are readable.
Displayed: 10.52
